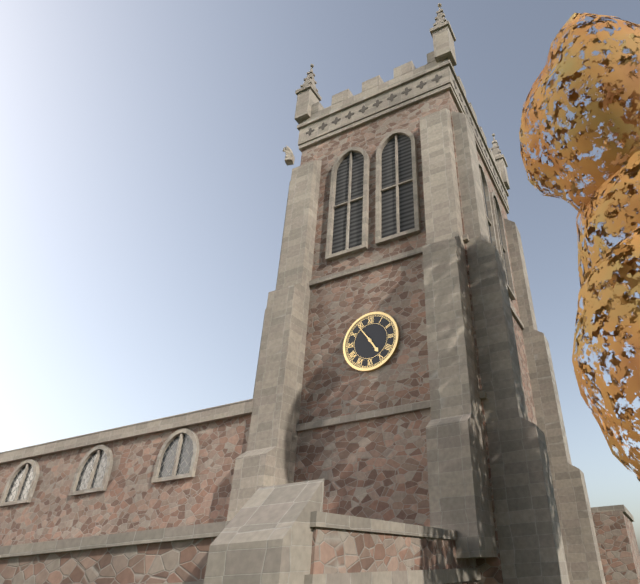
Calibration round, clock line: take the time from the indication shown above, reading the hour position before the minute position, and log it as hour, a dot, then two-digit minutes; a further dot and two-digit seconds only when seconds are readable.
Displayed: 4.54
